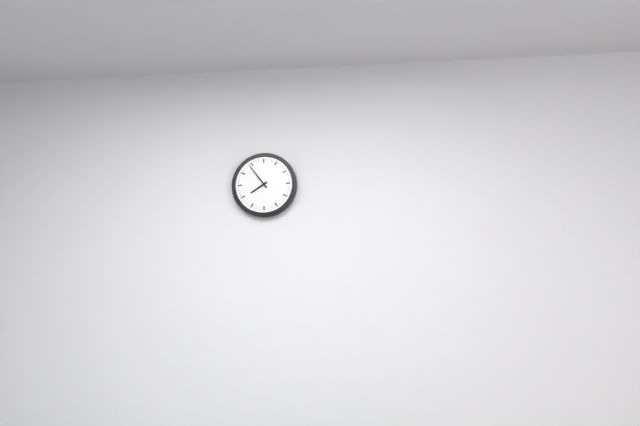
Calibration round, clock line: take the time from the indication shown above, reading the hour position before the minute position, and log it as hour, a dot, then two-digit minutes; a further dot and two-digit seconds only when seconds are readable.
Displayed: 7.54
